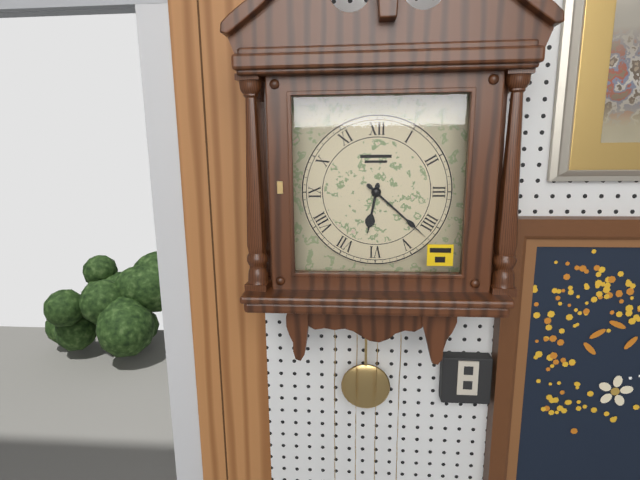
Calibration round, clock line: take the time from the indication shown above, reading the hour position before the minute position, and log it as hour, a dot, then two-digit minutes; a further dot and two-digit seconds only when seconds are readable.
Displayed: 6.22
